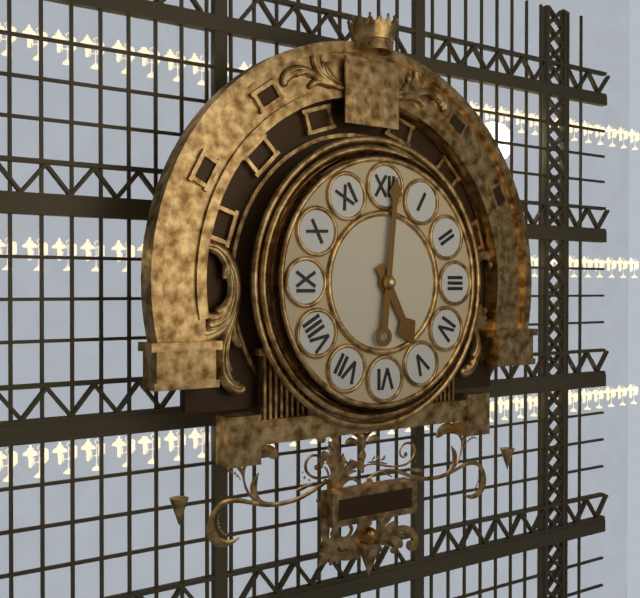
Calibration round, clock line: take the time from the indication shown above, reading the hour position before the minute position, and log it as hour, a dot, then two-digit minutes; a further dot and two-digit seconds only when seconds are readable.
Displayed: 5.01
